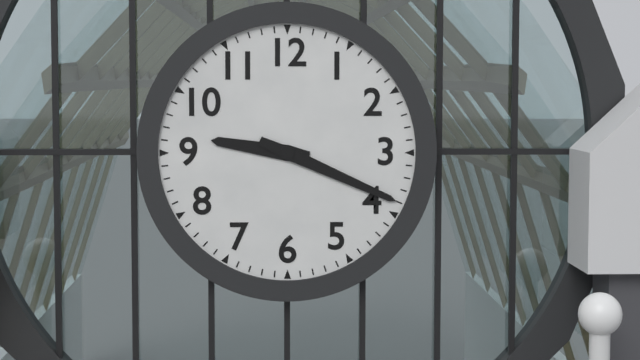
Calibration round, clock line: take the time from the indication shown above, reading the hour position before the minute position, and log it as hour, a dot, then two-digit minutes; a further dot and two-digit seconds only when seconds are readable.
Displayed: 9.19
